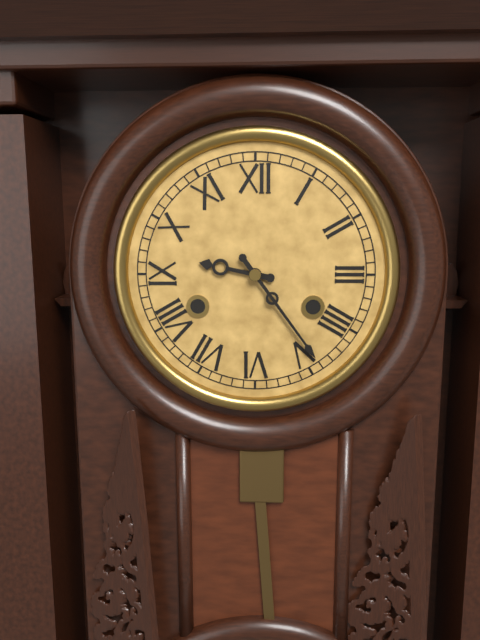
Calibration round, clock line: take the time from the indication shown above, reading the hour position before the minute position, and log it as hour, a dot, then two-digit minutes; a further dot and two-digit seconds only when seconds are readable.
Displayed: 9.24
